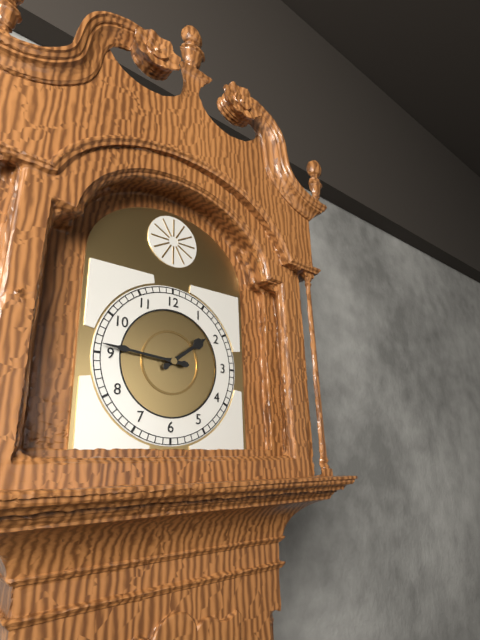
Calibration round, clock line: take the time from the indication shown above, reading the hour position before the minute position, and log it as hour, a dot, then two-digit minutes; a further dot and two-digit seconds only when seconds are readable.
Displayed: 1.46
